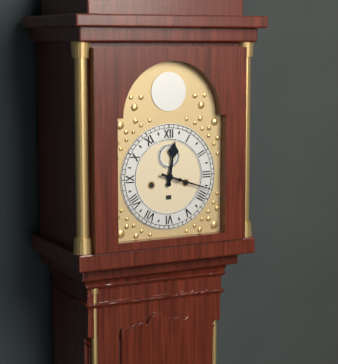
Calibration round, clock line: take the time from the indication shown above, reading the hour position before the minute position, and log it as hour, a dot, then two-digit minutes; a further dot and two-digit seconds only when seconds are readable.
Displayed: 12.18
